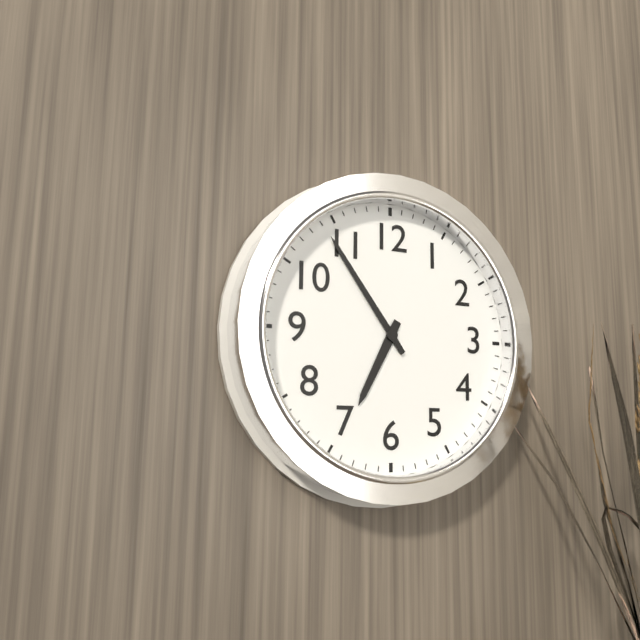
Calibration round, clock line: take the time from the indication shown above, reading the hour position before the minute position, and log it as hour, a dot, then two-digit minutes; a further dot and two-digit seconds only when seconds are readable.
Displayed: 6.54
